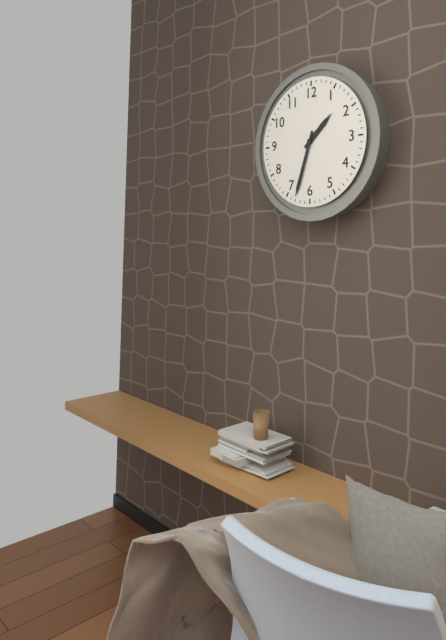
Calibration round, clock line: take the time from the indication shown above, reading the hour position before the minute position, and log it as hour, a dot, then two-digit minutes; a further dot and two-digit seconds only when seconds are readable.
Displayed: 1.33
